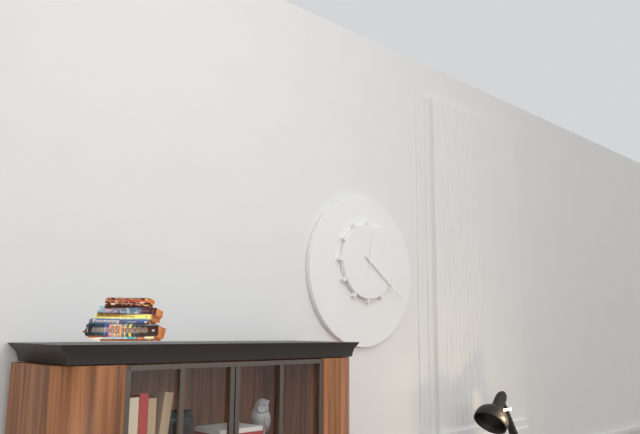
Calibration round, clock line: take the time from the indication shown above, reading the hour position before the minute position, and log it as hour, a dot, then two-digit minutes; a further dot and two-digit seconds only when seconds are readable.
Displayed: 12.21
